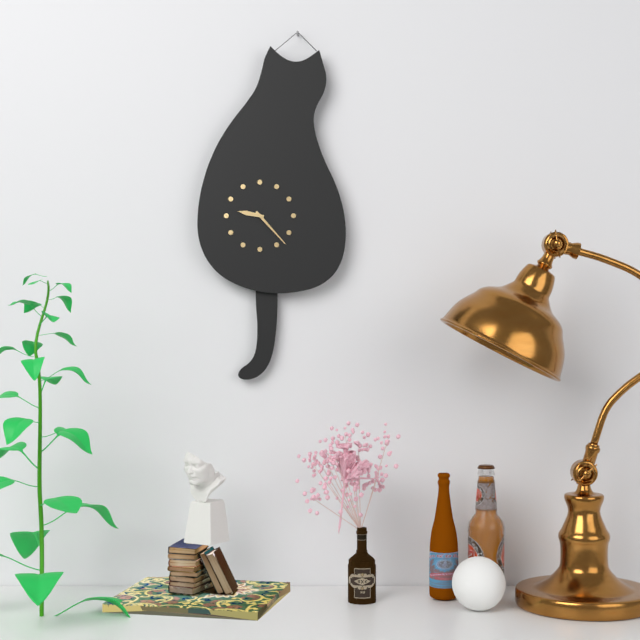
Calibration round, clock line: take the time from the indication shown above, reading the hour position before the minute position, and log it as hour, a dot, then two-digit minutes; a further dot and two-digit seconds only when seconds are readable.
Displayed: 9.23
